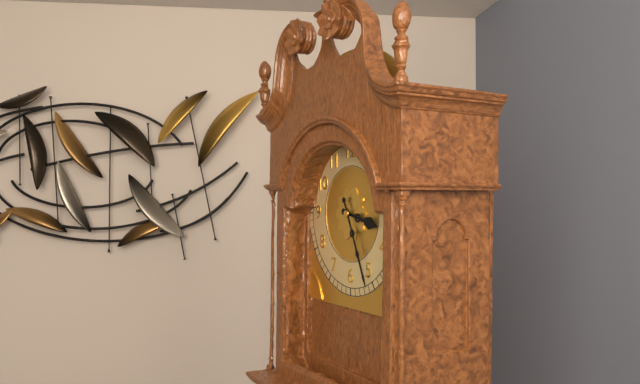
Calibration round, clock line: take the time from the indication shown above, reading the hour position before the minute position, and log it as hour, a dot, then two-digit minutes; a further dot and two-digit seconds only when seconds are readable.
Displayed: 3.26
